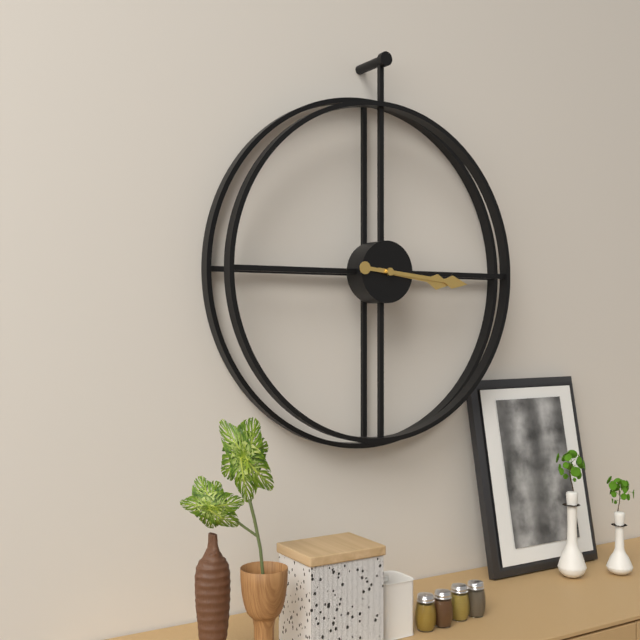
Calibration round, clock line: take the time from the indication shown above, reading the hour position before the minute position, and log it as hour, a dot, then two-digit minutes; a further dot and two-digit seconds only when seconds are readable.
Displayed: 3.16
